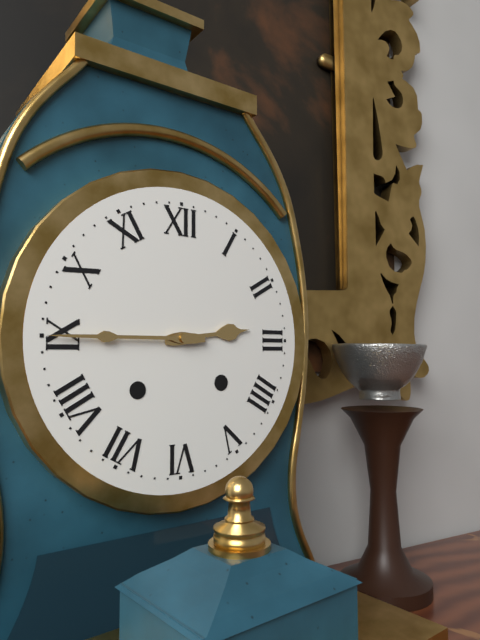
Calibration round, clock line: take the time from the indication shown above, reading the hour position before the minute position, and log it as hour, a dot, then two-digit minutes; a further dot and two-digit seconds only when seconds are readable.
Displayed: 2.45
